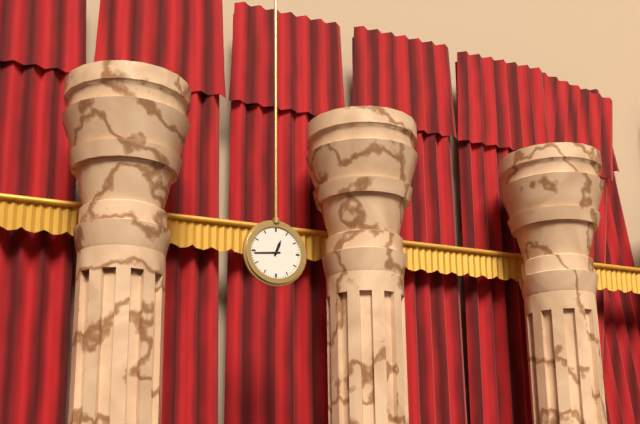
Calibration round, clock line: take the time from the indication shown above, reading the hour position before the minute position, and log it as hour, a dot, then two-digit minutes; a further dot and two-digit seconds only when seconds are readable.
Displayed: 12.44
